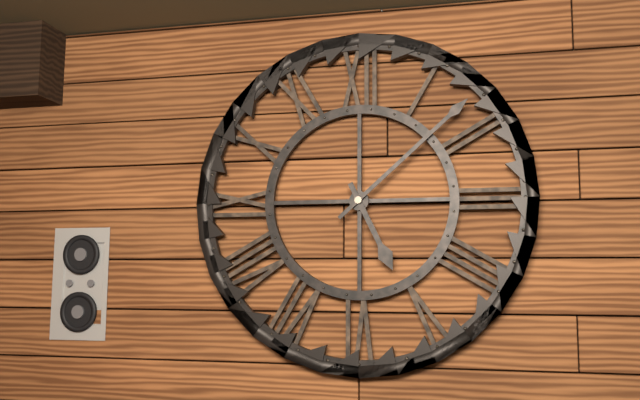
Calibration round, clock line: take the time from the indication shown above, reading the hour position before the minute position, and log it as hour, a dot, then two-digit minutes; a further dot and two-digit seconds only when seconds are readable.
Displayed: 5.08
